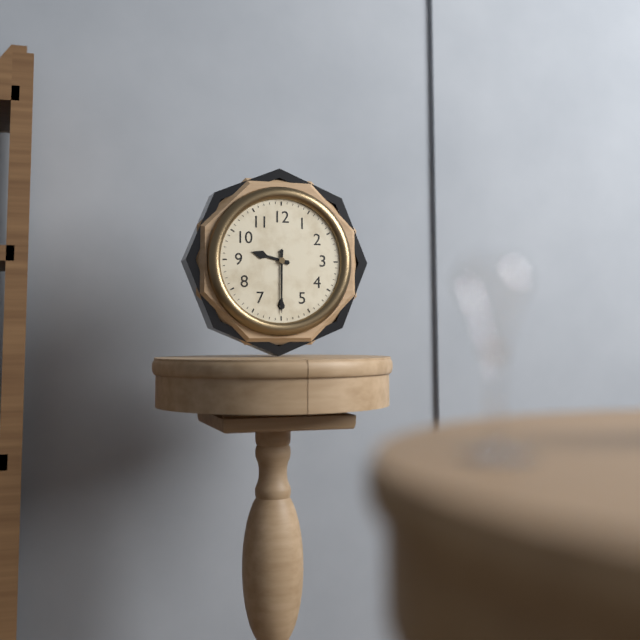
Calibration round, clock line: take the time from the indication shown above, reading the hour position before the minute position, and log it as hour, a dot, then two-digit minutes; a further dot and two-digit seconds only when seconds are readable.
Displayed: 9.30
